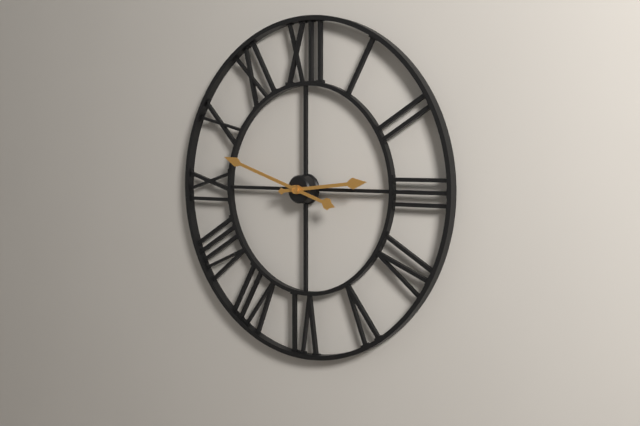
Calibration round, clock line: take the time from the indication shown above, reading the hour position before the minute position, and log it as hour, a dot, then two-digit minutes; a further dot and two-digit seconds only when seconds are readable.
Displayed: 2.48
